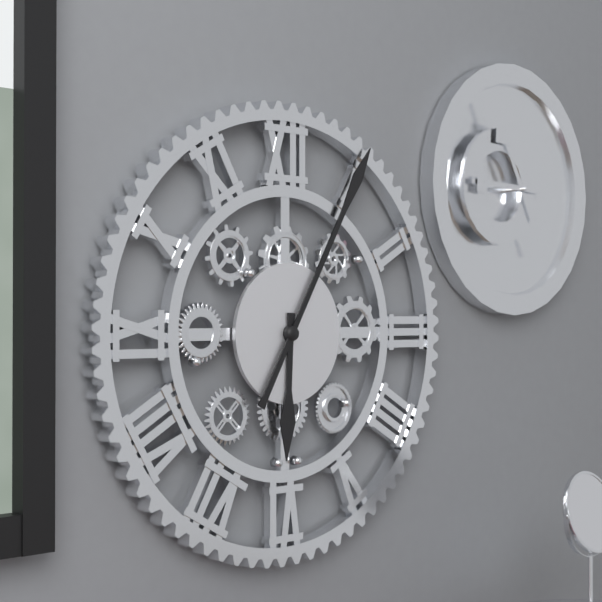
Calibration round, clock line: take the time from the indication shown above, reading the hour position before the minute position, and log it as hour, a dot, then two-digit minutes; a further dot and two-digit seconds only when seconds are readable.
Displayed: 6.05
